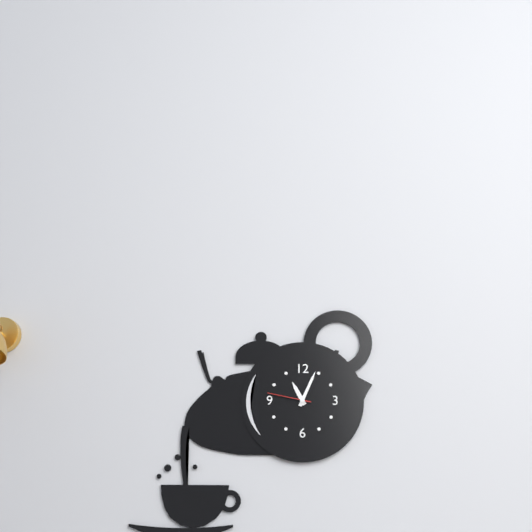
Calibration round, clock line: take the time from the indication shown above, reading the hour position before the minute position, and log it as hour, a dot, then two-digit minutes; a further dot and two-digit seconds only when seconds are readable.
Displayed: 11.04
